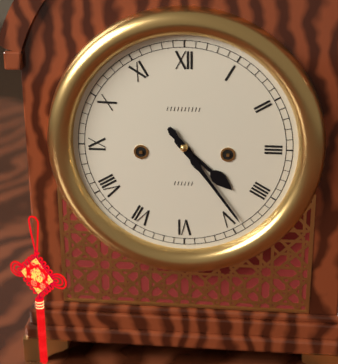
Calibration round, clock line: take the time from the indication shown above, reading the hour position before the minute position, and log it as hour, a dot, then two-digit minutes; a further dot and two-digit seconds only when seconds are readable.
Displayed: 4.24
